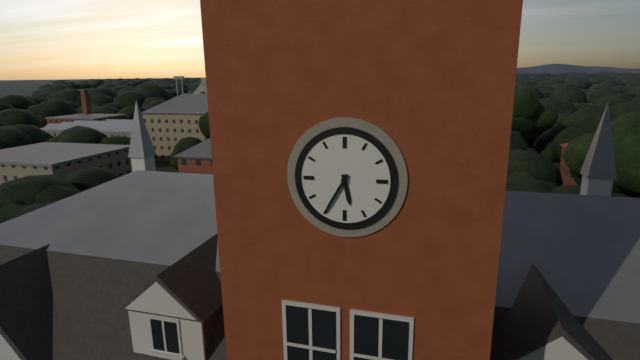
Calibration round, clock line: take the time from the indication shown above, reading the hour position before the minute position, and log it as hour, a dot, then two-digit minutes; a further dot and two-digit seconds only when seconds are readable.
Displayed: 5.35
